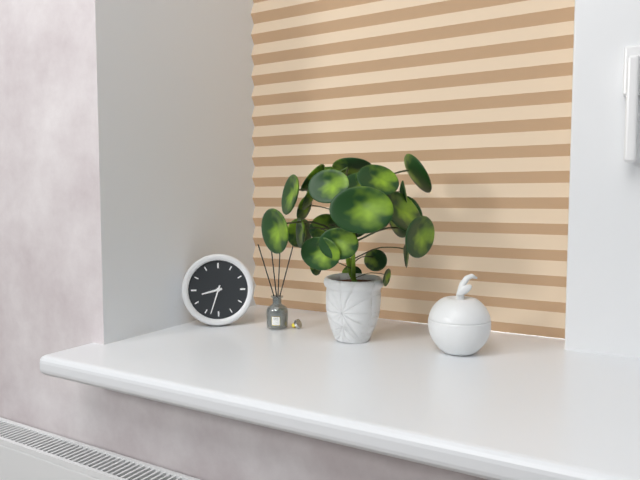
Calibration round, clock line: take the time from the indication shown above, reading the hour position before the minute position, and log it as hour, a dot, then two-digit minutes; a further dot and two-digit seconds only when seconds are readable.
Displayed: 8.33
